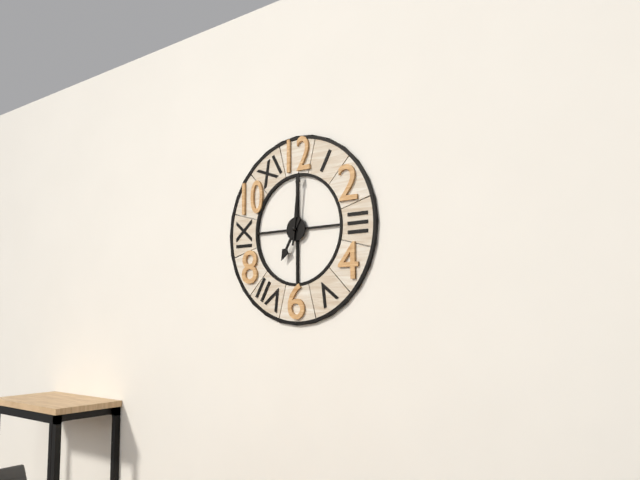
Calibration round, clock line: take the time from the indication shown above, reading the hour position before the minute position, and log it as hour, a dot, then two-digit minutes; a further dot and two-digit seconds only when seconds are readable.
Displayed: 7.01
